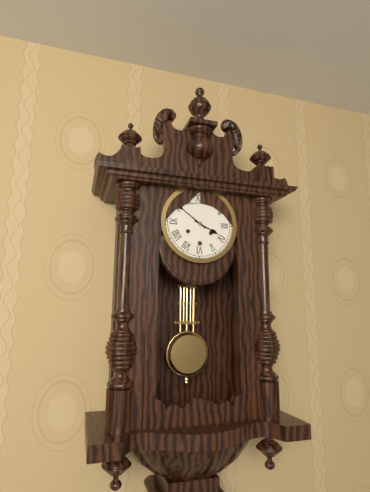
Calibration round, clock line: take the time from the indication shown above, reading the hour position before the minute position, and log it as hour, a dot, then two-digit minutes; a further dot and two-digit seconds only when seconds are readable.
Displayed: 3.51
